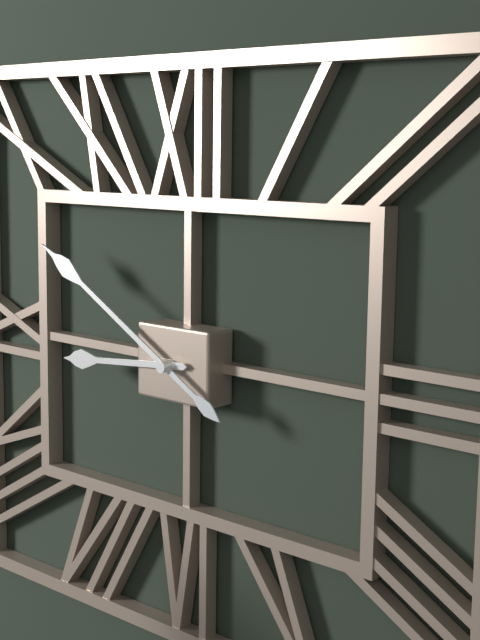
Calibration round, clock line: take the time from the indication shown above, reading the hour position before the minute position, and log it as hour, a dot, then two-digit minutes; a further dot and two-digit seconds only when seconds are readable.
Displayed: 8.50
